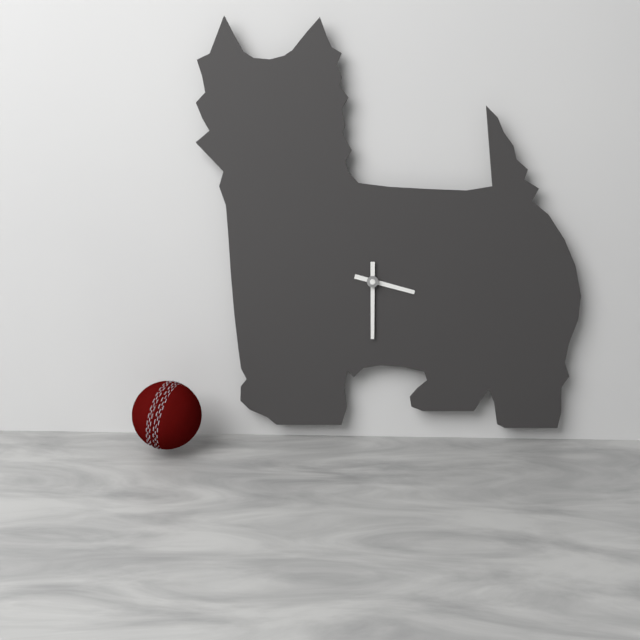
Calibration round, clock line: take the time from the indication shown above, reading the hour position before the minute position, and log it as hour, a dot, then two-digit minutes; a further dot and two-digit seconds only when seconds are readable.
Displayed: 3.30
